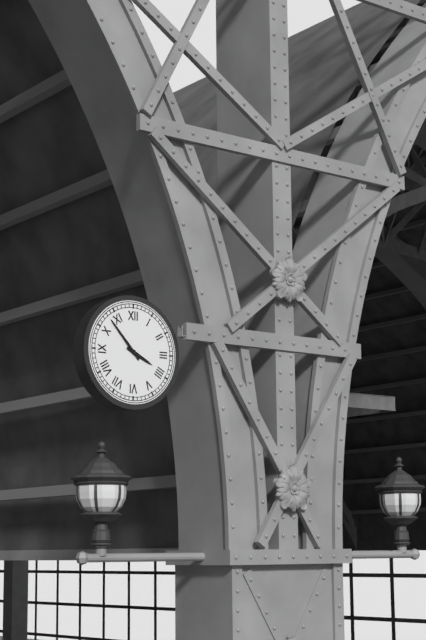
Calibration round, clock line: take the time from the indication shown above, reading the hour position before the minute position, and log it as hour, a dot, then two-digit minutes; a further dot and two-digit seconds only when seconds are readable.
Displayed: 3.53
